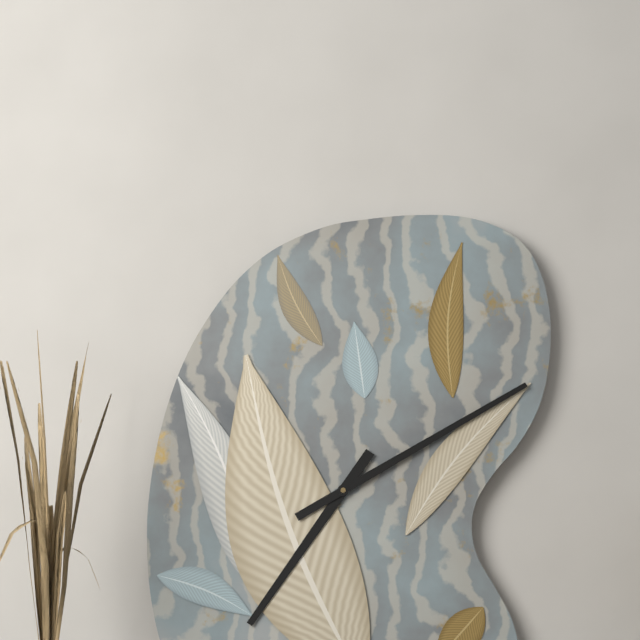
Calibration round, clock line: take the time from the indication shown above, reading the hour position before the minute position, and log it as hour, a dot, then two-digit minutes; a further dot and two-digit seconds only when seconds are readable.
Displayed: 7.10
